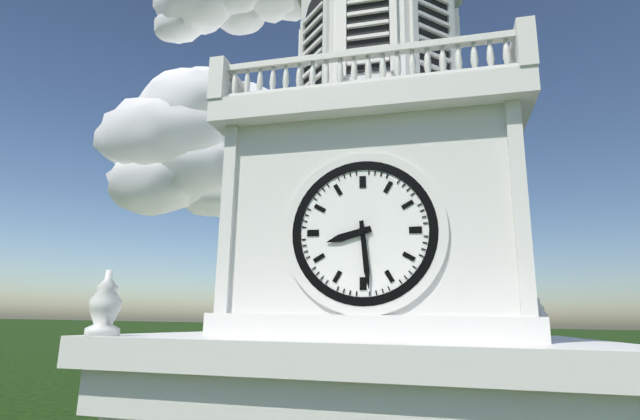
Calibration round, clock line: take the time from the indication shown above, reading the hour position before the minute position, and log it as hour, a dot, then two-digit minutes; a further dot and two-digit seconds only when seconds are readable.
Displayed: 8.29
